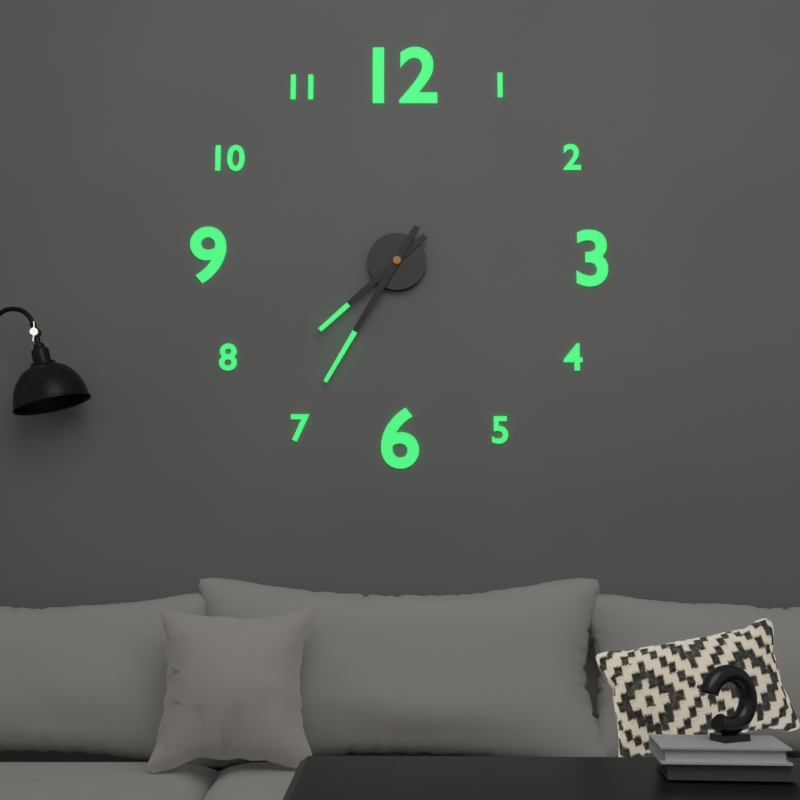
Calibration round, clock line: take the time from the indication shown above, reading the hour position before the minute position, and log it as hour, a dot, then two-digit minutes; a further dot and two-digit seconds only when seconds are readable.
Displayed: 7.35
